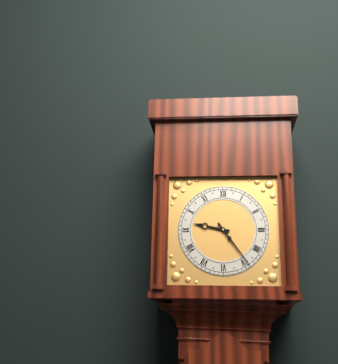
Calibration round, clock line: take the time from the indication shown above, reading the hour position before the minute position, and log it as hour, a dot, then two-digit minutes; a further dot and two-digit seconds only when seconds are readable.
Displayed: 9.24
